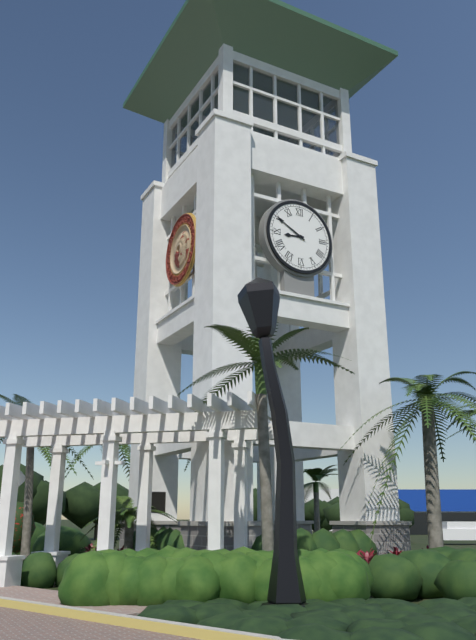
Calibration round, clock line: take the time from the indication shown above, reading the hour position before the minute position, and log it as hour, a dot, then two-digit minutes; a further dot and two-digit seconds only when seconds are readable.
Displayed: 8.50
